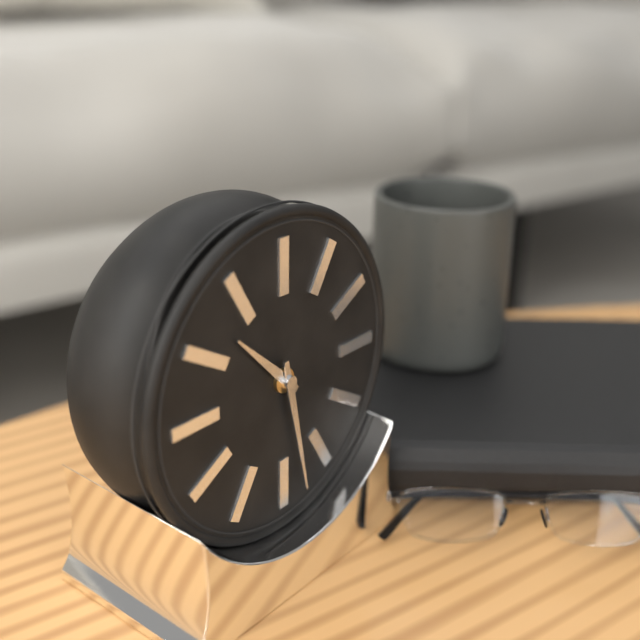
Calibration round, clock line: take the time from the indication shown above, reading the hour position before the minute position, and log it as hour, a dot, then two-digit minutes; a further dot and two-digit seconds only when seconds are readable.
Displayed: 10.28
